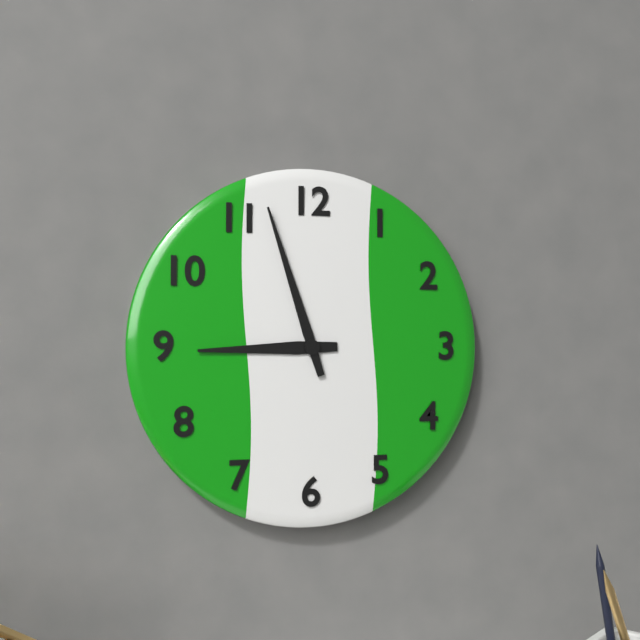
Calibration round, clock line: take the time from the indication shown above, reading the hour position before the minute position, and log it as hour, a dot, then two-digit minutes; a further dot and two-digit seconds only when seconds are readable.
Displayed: 8.57
